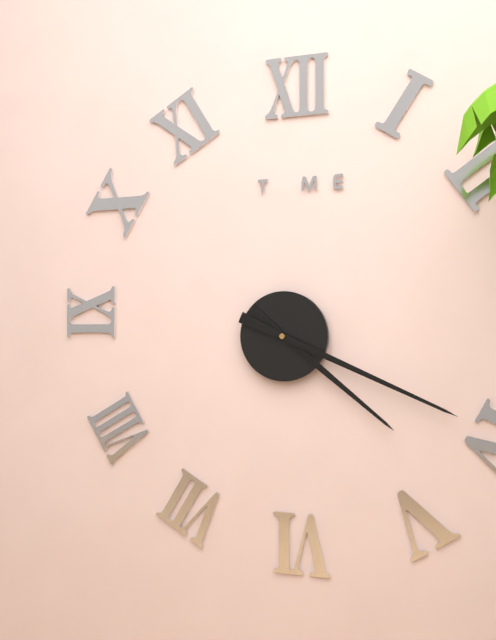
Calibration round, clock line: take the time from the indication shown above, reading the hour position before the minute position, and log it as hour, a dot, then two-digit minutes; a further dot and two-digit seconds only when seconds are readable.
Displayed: 4.19
